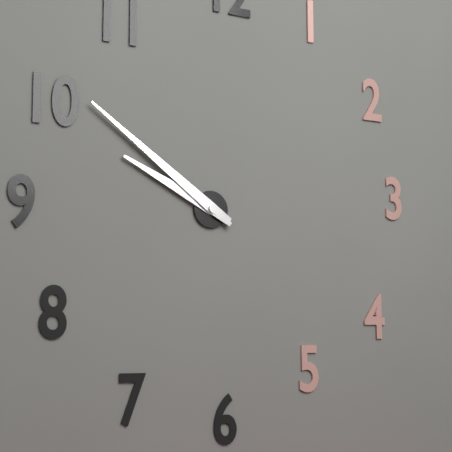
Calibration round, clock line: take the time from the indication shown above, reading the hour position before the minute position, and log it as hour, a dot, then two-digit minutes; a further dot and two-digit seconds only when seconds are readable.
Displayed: 9.51
